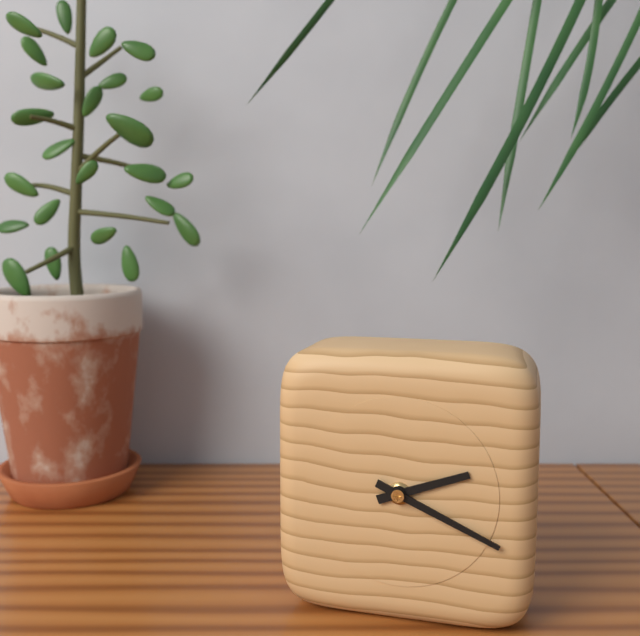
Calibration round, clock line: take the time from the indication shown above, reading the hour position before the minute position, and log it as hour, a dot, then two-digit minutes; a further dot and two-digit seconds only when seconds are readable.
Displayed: 2.19
